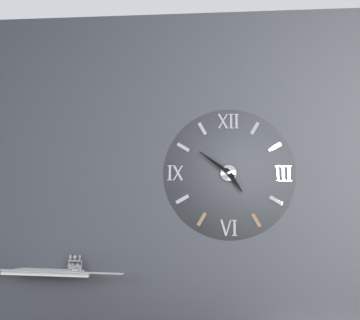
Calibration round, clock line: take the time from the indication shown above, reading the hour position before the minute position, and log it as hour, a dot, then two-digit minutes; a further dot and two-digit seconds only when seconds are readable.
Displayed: 4.51
